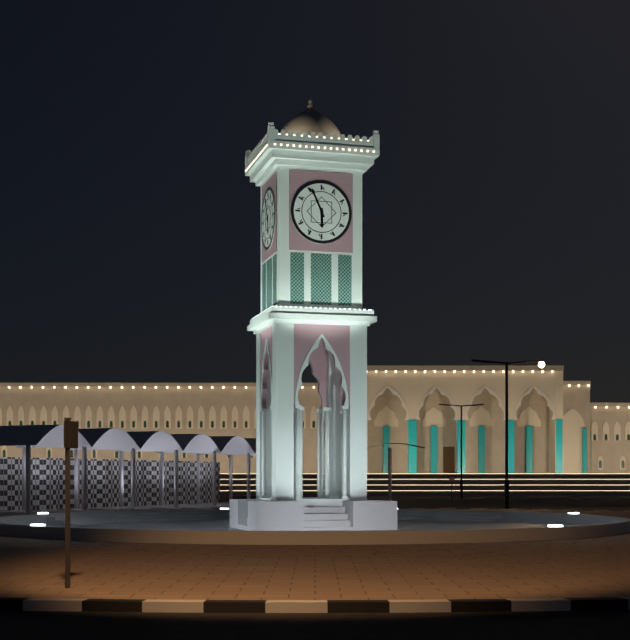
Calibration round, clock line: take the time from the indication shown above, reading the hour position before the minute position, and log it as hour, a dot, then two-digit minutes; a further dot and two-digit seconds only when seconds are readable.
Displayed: 5.56
